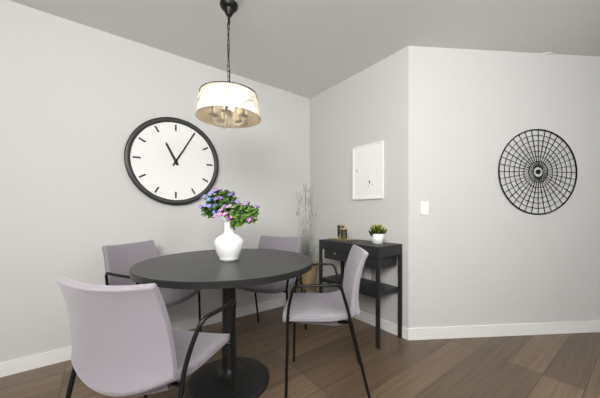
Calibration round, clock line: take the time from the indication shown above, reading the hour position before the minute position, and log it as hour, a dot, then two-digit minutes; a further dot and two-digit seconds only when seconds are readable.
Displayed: 11.05
